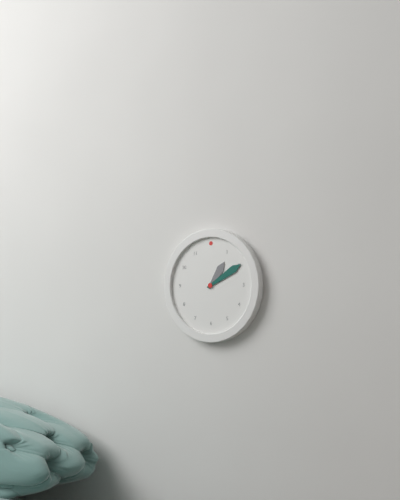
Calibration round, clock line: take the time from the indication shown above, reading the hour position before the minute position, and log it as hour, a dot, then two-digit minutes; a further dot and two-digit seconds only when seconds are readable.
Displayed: 1.10
